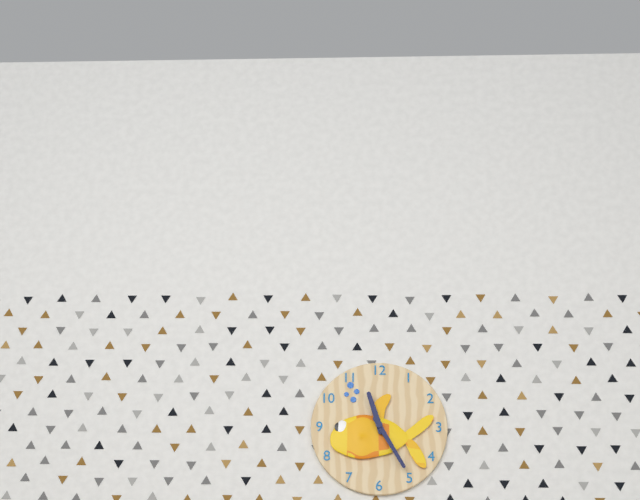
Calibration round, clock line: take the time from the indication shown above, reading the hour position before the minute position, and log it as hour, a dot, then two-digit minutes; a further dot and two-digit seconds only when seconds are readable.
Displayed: 11.25
